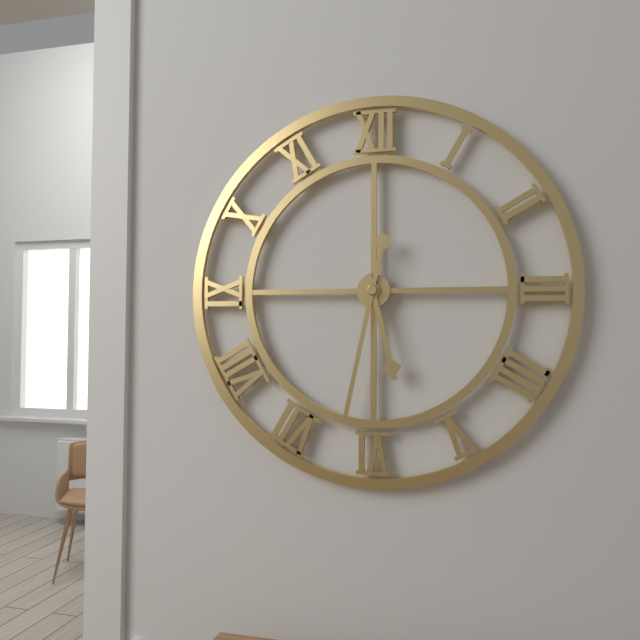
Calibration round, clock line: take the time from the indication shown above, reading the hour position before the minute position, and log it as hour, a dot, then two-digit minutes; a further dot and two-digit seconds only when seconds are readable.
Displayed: 5.32
